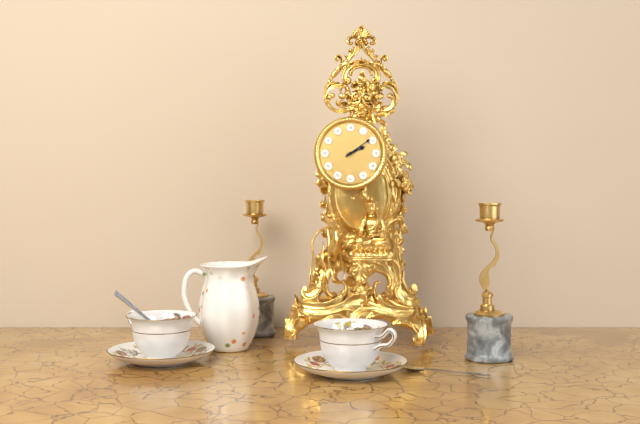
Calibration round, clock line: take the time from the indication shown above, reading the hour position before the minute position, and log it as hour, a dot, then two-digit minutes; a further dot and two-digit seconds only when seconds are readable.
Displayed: 2.09
